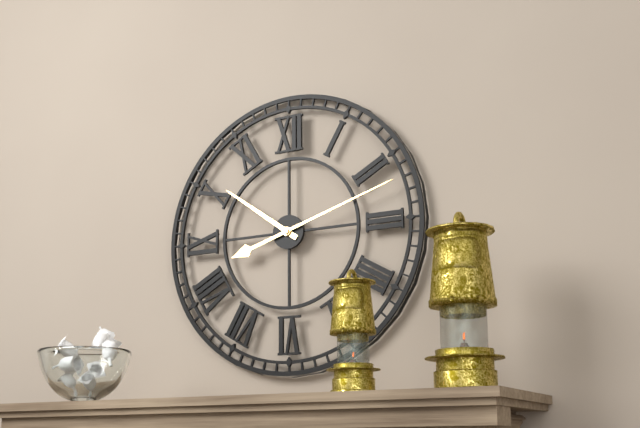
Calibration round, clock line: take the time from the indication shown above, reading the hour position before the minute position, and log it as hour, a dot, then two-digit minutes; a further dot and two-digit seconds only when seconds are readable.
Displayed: 10.12
